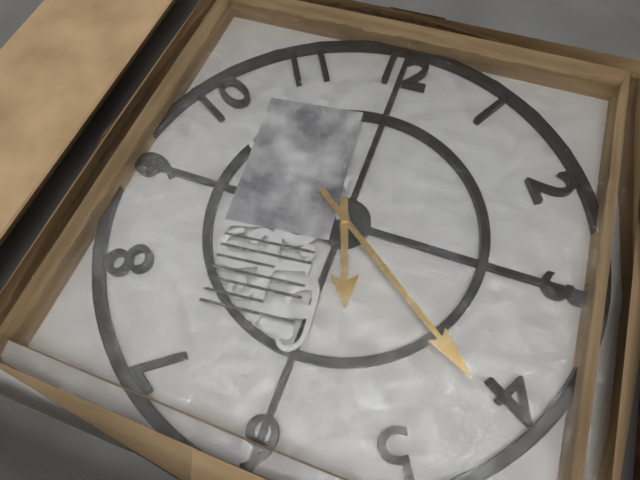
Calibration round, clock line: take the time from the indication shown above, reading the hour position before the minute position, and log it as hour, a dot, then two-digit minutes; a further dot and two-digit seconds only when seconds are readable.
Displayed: 5.21
